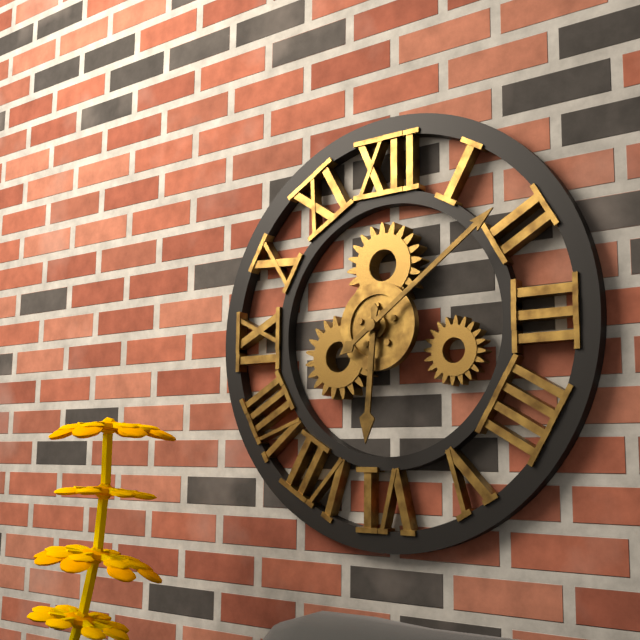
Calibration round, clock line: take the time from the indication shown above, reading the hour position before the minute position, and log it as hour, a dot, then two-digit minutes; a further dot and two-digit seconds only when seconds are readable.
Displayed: 6.09
